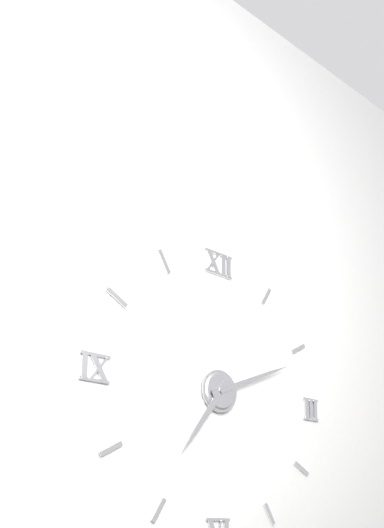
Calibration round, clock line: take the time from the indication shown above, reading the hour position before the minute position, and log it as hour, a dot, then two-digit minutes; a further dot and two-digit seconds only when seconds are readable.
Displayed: 7.11
